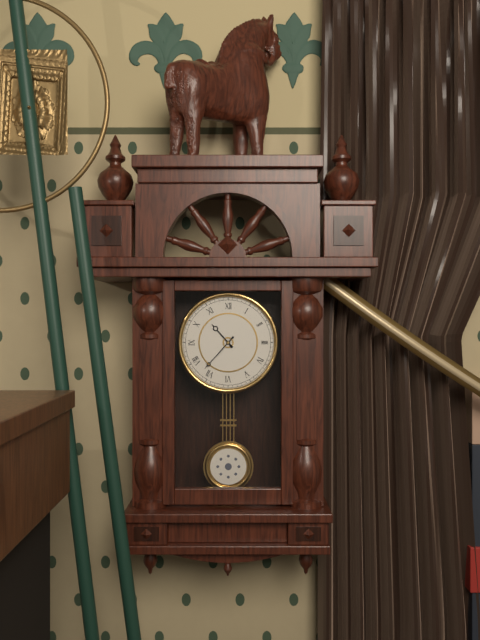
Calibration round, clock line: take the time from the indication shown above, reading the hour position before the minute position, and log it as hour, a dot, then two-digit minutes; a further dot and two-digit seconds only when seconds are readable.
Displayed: 10.37
